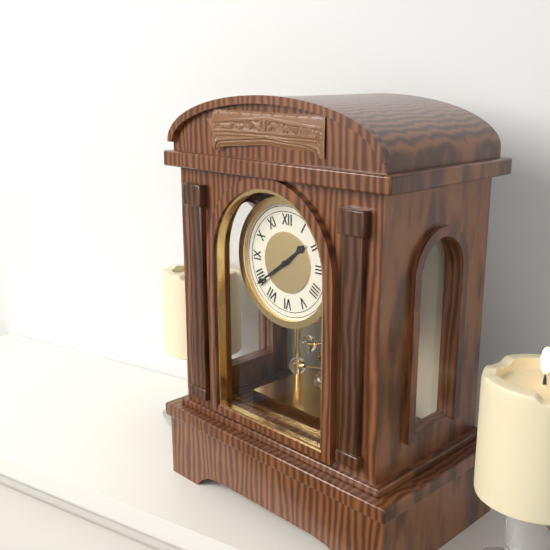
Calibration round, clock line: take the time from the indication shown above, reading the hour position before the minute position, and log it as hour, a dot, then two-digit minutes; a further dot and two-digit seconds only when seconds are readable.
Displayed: 1.39
